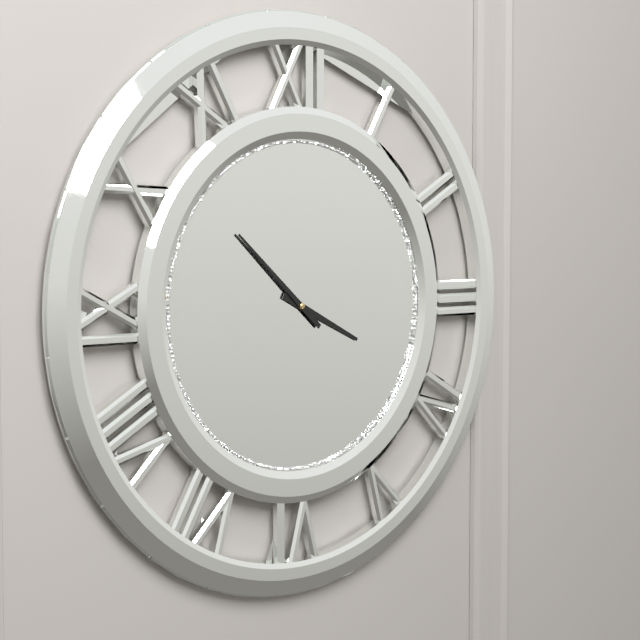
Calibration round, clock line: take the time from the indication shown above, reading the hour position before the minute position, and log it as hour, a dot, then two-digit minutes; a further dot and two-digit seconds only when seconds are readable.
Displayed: 3.52
